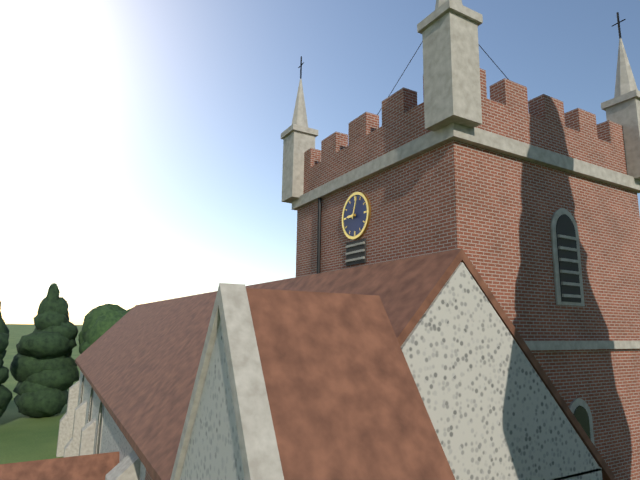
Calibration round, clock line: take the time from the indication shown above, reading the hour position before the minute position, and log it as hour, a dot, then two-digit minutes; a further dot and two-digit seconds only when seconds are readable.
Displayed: 9.03
